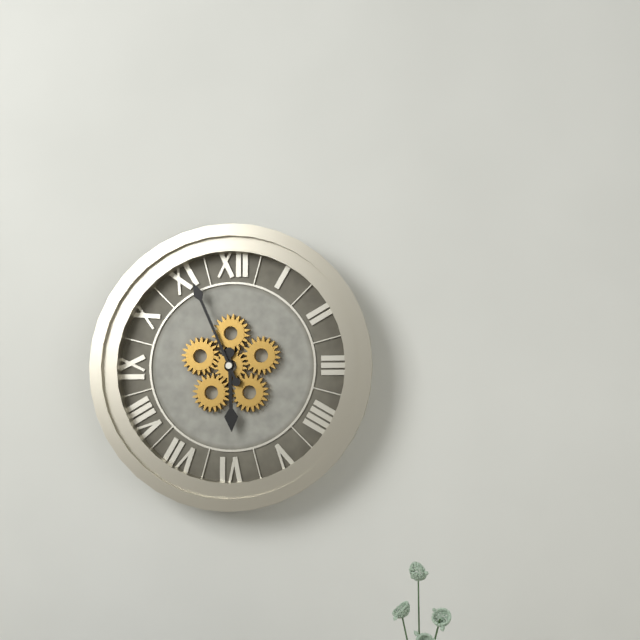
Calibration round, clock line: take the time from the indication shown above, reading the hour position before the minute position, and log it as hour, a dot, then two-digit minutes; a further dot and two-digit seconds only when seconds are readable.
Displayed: 5.56
